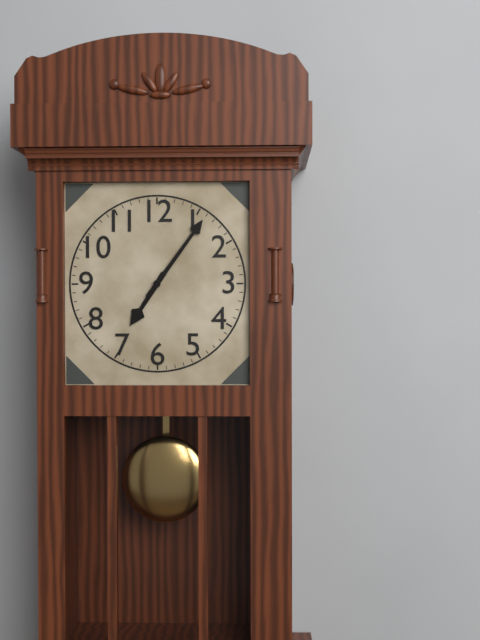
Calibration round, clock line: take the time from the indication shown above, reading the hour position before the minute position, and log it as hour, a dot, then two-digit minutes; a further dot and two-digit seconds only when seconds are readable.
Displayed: 7.06
